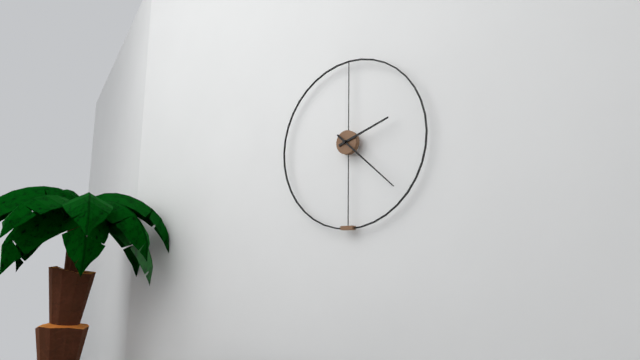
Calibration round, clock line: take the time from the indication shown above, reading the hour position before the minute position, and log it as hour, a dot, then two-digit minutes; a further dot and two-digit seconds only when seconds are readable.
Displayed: 2.22
